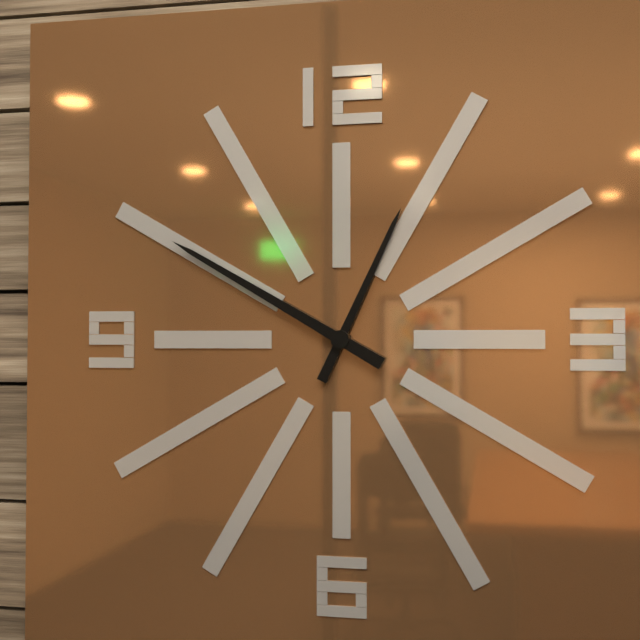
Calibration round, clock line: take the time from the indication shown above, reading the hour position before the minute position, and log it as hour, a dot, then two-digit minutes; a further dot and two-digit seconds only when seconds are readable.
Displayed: 12.50
